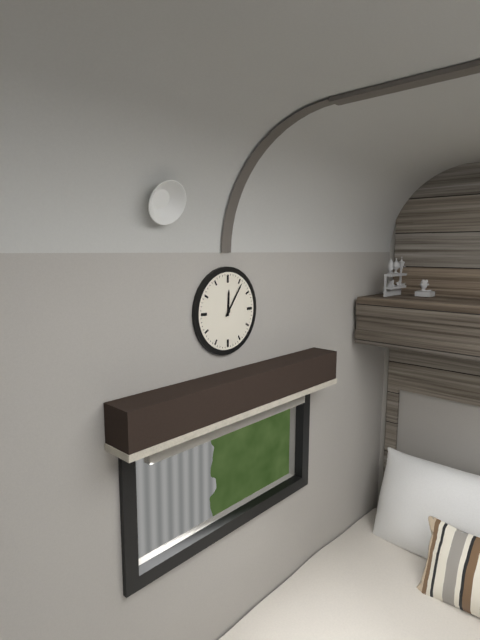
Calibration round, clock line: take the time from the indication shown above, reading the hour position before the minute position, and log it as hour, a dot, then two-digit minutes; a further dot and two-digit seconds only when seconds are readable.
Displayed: 12.06
